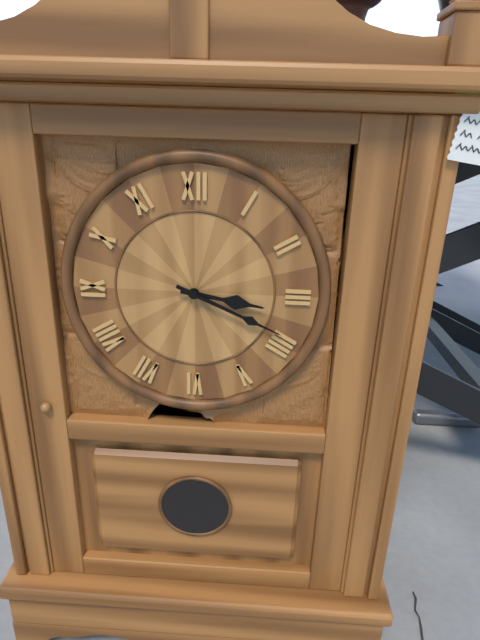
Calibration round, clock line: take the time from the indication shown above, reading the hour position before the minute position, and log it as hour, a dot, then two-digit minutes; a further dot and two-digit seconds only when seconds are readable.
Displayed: 3.19
